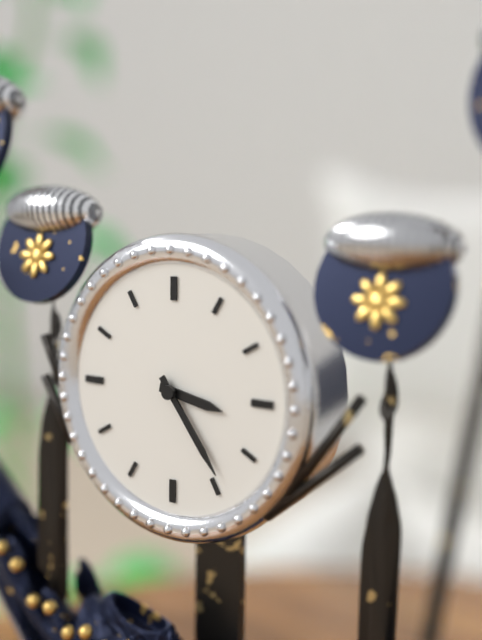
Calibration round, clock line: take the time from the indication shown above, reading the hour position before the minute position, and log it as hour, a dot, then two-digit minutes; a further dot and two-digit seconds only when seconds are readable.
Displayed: 3.24
